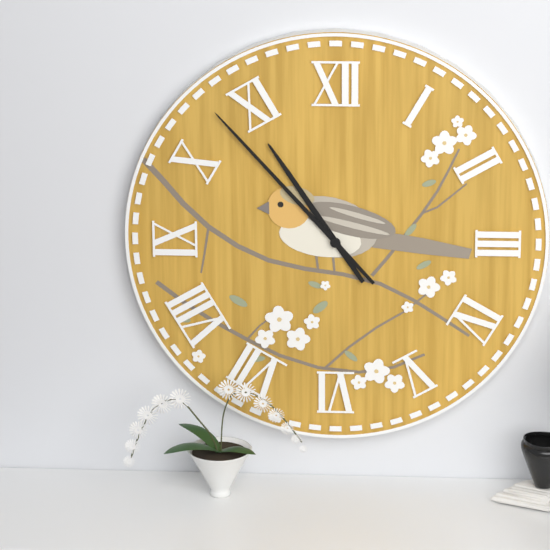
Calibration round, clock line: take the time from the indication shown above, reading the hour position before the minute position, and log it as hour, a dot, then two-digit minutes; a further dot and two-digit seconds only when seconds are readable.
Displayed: 10.53
